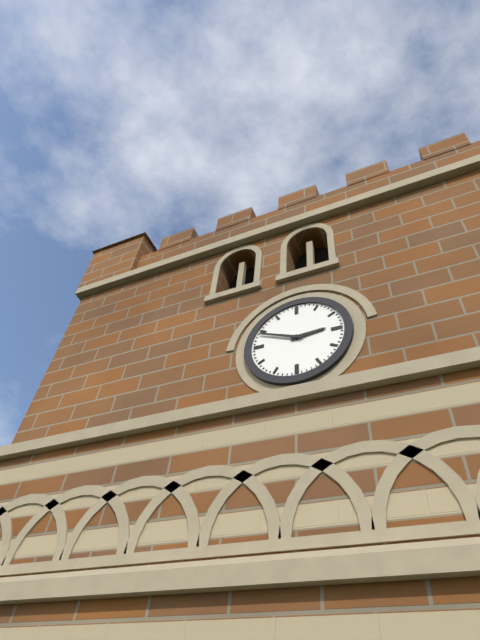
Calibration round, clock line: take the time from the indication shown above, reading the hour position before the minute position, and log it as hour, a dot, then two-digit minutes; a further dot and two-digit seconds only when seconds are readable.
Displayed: 2.49
